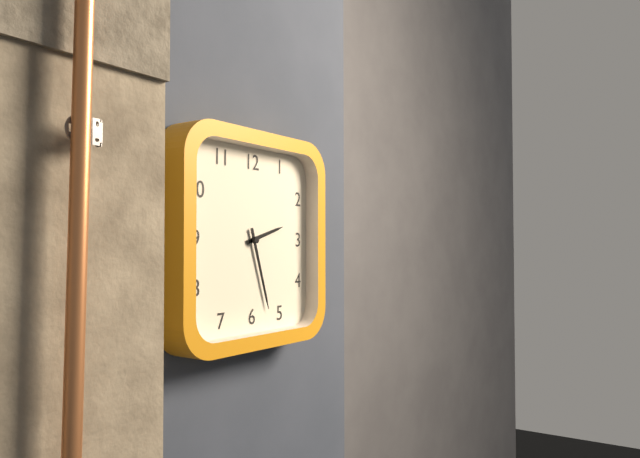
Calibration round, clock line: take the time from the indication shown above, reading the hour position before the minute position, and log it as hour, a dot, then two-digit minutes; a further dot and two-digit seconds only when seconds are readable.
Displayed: 2.27
